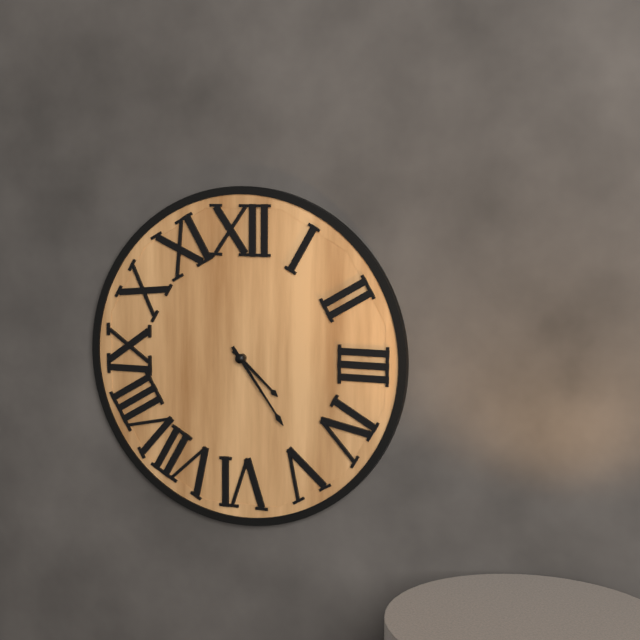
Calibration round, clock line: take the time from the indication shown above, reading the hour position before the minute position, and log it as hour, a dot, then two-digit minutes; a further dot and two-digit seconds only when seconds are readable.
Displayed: 4.24
